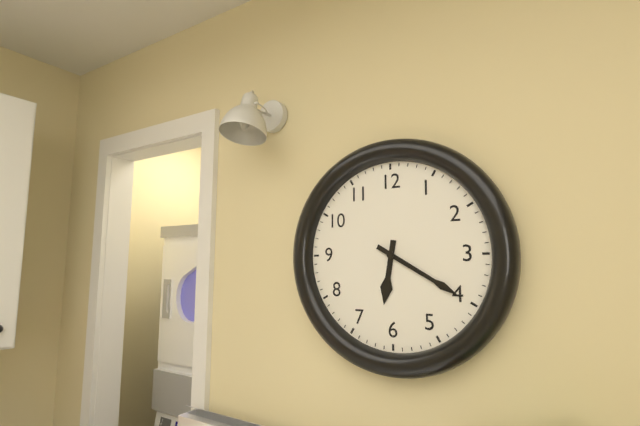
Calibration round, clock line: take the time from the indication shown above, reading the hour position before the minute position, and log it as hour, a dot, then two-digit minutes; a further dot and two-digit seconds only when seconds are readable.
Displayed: 6.20
